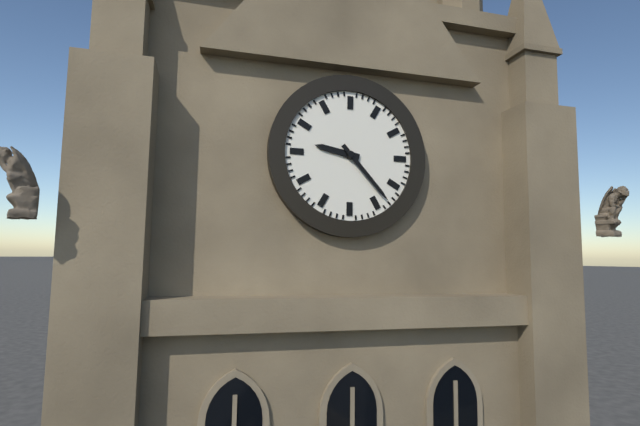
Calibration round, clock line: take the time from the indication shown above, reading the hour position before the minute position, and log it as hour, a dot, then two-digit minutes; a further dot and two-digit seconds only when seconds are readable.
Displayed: 9.23
